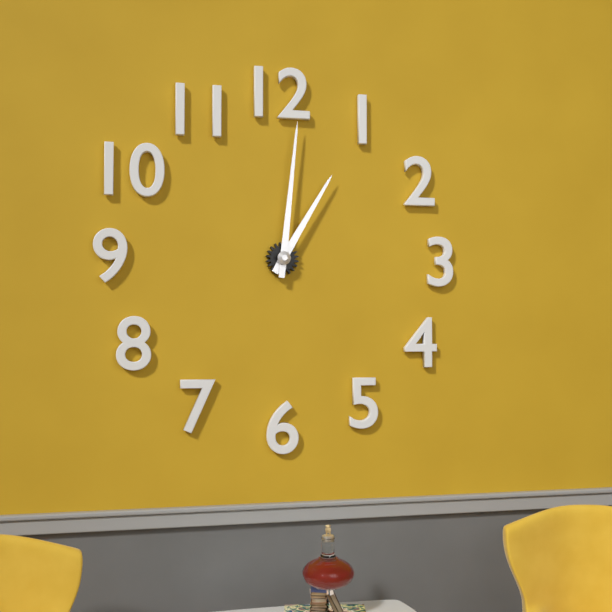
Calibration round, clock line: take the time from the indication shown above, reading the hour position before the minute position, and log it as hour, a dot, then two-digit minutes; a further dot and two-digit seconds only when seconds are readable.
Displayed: 1.01
